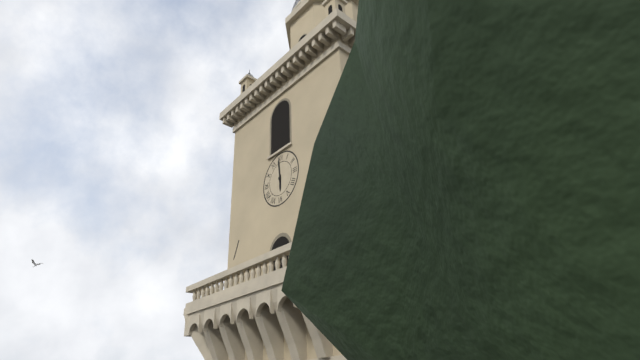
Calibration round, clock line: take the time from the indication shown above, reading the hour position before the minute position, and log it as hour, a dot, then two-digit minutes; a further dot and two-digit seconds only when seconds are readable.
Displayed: 5.59
